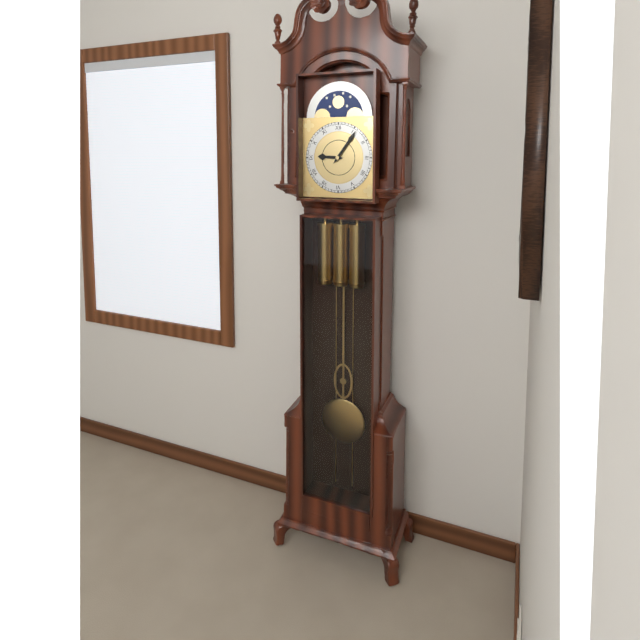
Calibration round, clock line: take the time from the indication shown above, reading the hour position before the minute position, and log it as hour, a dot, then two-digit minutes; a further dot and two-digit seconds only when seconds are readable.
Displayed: 9.06
